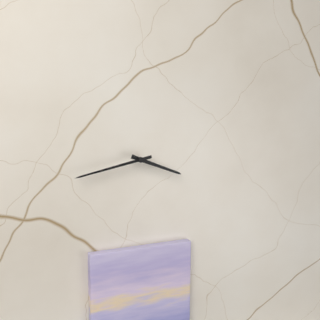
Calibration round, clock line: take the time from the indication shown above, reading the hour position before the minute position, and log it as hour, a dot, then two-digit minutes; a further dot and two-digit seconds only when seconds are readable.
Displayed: 3.43
